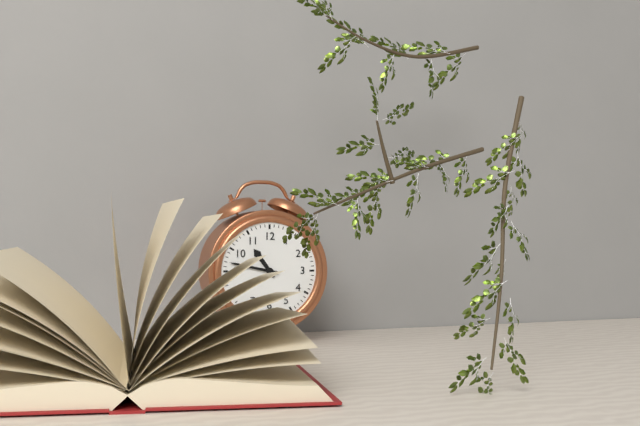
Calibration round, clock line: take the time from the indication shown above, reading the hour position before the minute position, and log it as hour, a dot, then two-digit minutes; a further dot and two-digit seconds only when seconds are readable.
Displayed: 10.47
